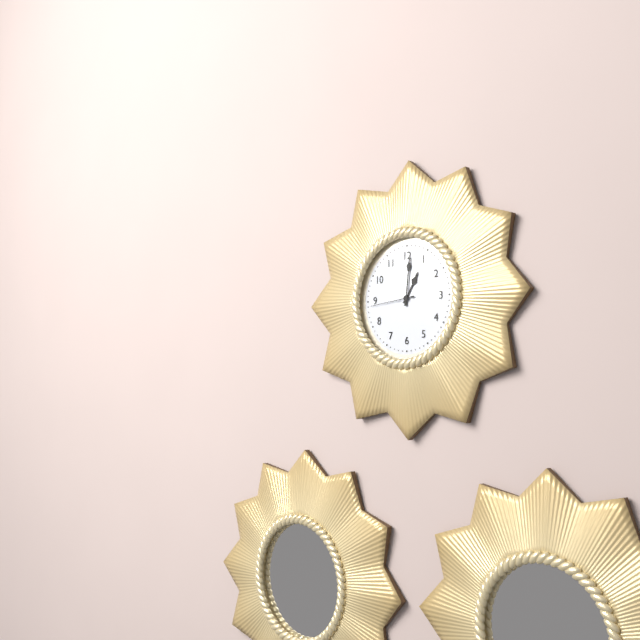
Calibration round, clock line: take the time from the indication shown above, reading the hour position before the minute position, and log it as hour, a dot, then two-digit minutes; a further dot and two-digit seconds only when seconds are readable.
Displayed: 1.01
